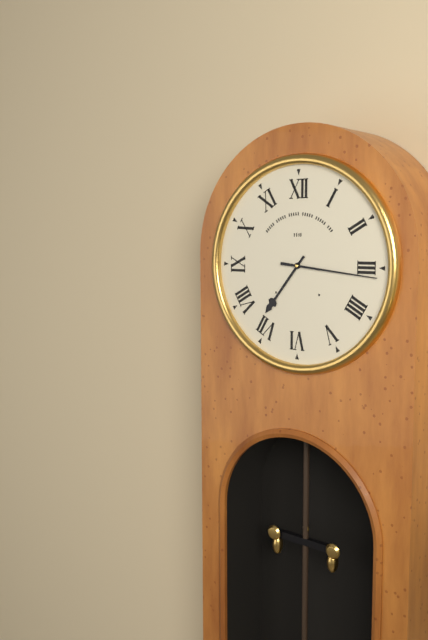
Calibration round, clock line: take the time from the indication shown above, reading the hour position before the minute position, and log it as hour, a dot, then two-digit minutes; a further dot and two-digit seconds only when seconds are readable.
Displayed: 7.16
